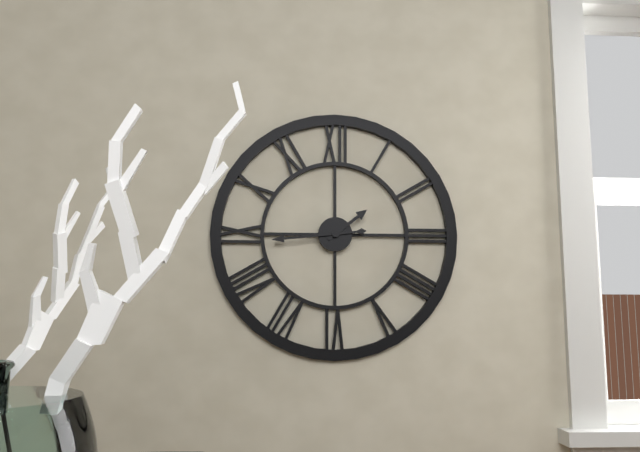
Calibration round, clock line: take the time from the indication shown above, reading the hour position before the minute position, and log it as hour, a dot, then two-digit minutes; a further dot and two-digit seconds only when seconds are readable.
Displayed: 1.44
